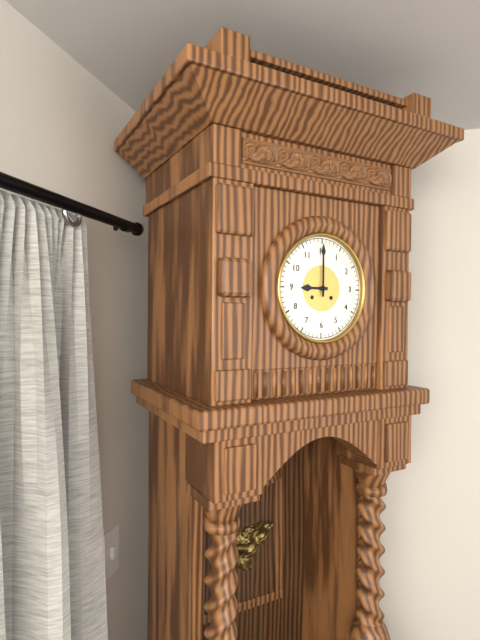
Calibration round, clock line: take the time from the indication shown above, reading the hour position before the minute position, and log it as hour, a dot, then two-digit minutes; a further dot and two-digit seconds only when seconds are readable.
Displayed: 9.00
